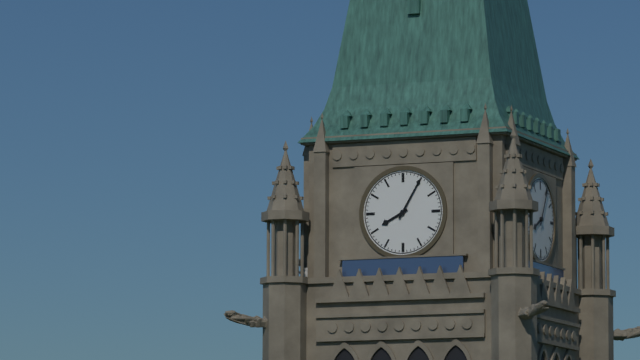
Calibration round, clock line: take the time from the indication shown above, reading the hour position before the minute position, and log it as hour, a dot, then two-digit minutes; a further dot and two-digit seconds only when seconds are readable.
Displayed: 8.05
